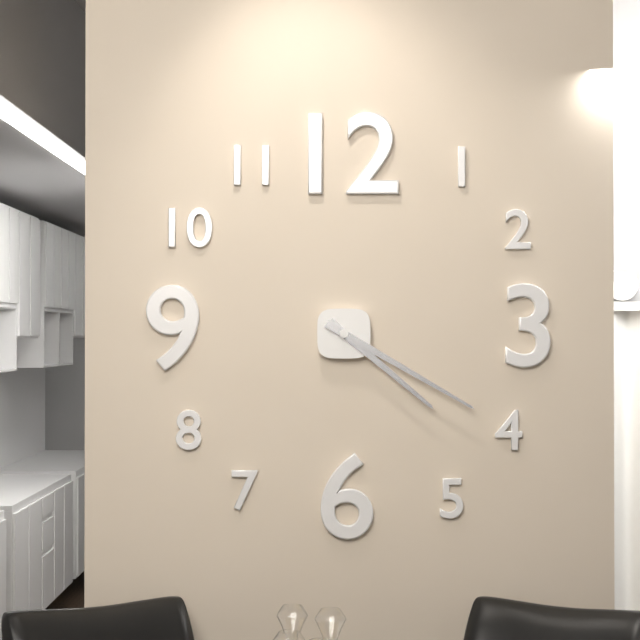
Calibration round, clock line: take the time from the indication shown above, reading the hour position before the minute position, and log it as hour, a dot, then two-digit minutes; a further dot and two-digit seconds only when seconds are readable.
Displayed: 4.20
